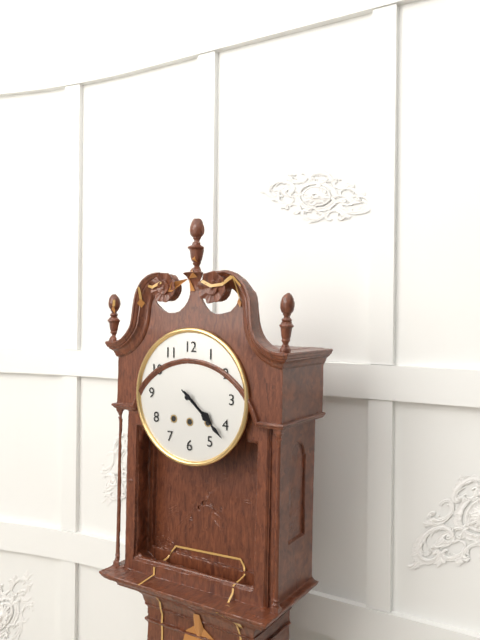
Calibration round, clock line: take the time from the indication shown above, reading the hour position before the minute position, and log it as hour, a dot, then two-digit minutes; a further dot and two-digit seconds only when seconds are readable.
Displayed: 4.22
